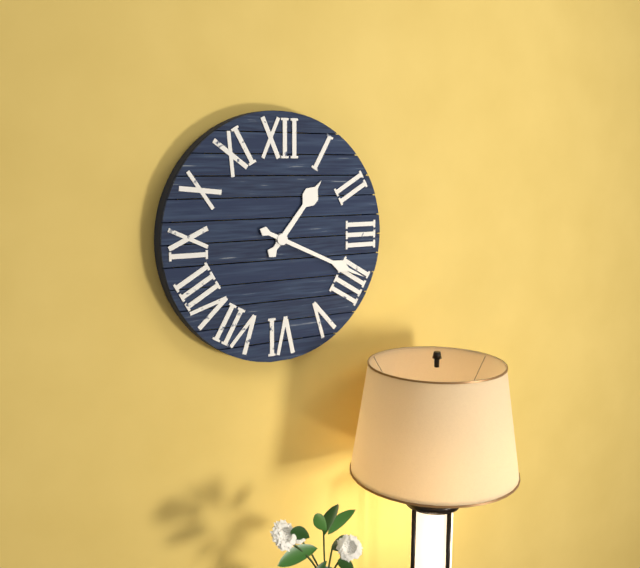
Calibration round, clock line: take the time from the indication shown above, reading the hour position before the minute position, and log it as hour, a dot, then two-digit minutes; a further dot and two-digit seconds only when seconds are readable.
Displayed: 1.19
